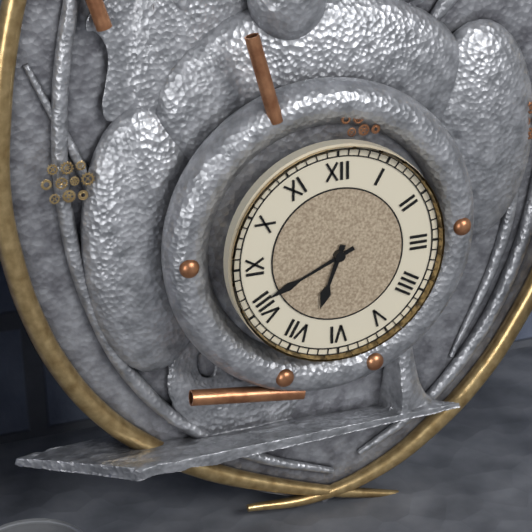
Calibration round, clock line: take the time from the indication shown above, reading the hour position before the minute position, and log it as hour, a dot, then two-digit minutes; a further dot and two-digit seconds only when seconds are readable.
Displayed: 6.41
